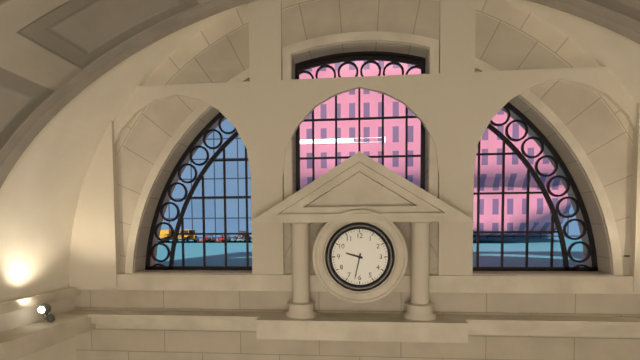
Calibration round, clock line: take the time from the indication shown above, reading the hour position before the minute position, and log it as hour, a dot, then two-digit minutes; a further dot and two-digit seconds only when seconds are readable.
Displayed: 9.32
